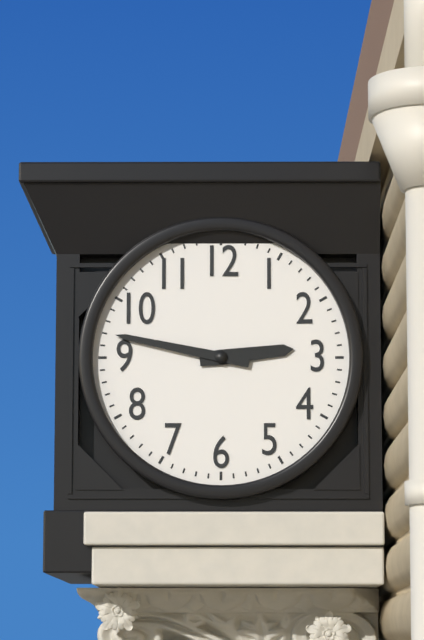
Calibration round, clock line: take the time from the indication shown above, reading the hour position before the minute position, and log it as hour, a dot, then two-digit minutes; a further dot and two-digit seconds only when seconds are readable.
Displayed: 2.47
